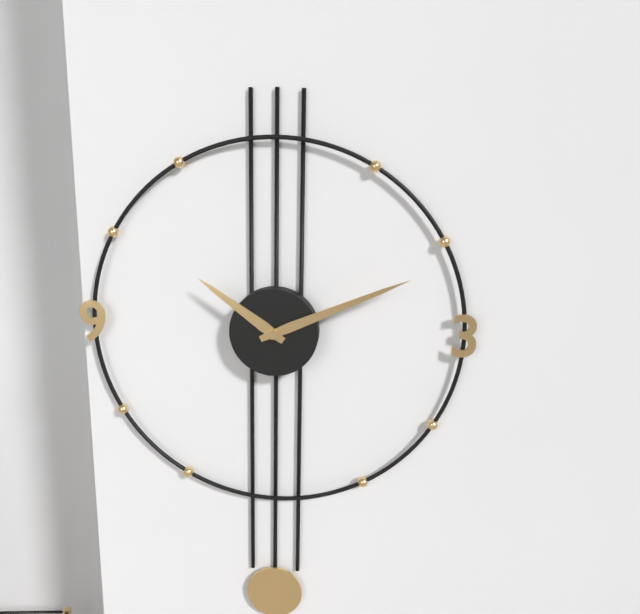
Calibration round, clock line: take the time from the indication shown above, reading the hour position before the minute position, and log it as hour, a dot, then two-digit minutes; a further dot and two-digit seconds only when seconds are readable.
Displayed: 10.11
